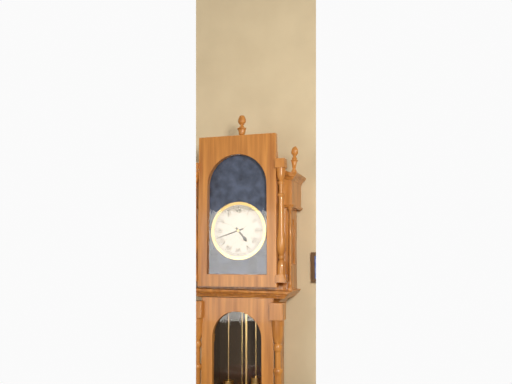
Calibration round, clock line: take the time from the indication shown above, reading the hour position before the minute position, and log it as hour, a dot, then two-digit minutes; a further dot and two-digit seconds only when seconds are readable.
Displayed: 4.42
